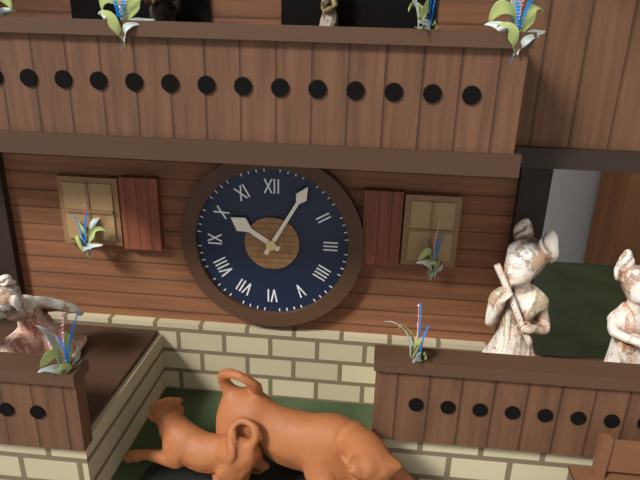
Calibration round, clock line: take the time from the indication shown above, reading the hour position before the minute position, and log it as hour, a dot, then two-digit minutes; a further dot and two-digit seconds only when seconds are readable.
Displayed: 10.05
